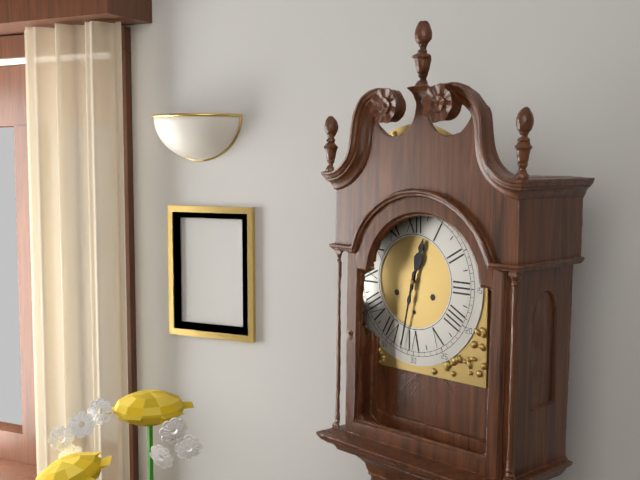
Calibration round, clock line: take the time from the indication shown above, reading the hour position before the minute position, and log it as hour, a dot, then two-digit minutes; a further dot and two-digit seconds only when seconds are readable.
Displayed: 12.32
